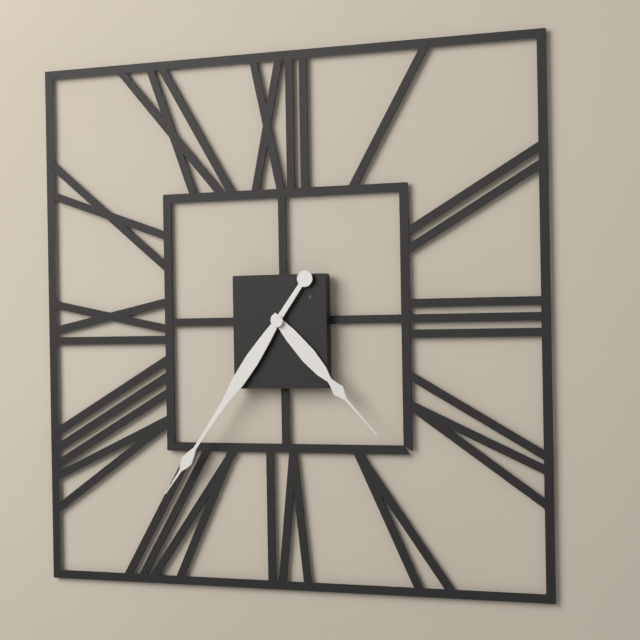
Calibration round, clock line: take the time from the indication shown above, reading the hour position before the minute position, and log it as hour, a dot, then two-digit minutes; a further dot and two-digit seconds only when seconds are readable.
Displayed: 4.36
